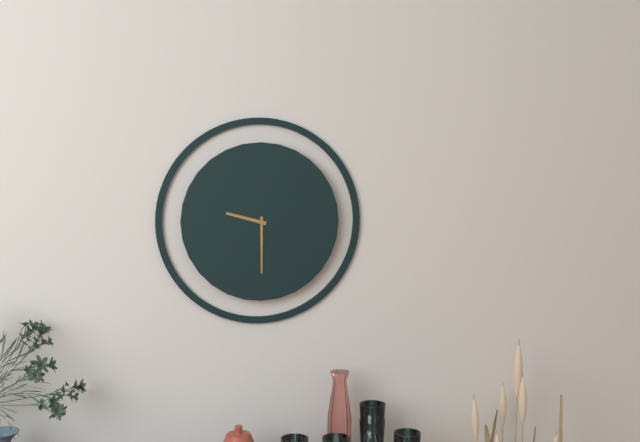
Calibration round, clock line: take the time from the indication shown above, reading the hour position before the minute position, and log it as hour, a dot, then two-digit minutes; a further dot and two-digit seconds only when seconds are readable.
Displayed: 9.30
